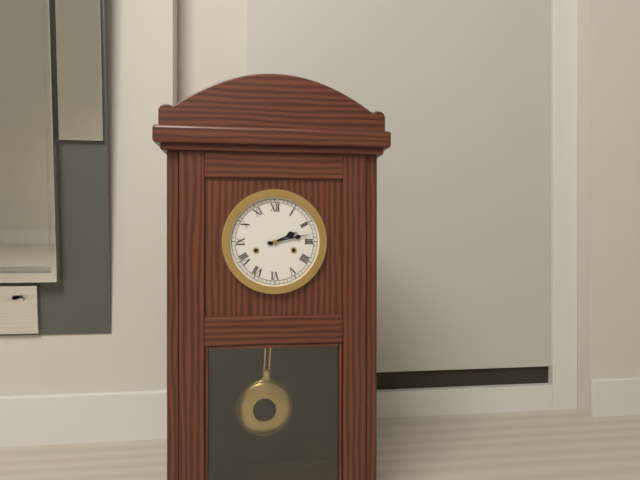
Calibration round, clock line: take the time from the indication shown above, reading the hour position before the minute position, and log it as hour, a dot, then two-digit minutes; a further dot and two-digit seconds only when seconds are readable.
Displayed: 2.13
